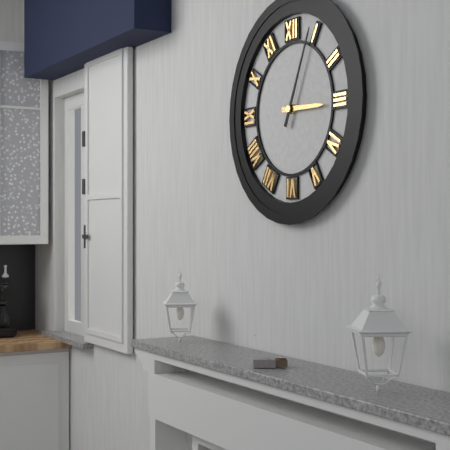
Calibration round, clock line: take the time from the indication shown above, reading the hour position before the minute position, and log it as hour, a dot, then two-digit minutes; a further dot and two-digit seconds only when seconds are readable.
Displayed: 3.04
